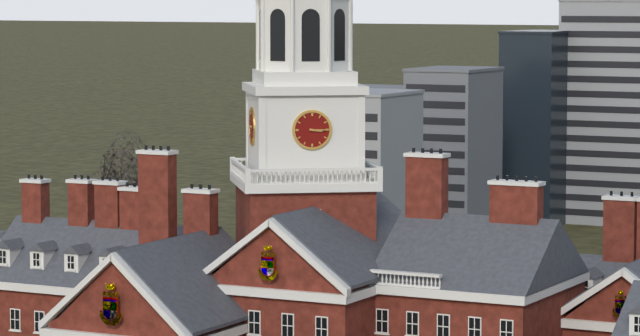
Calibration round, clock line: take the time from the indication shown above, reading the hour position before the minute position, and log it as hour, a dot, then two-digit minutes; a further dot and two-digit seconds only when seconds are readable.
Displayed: 3.15
